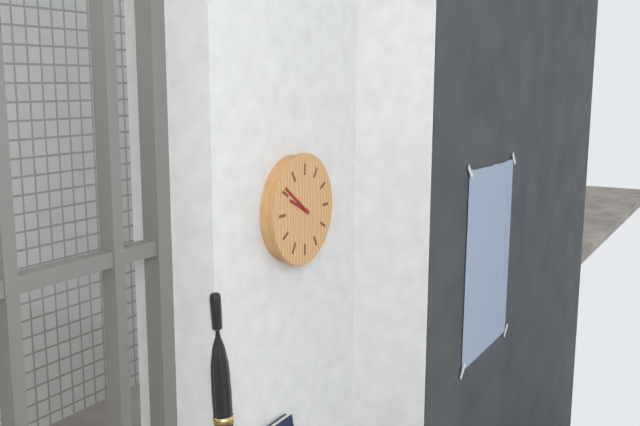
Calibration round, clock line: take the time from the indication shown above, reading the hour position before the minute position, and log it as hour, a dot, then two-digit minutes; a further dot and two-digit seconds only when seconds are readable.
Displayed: 9.51
